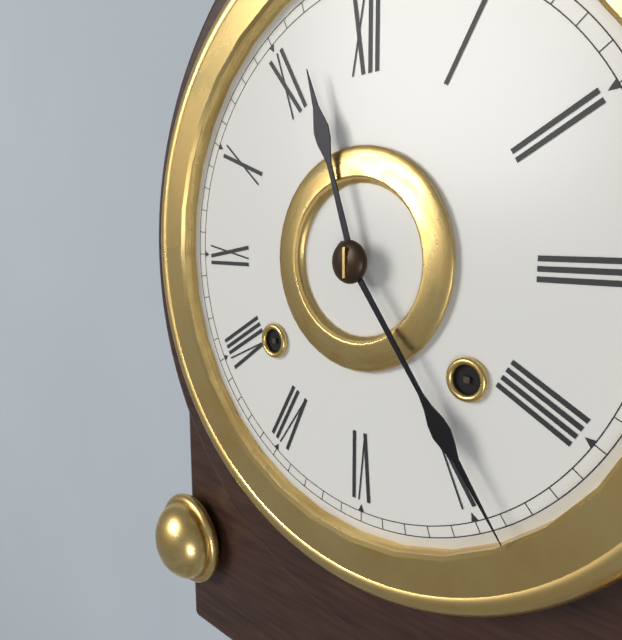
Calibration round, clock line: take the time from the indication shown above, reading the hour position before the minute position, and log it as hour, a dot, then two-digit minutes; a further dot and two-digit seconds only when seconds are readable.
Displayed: 11.24
